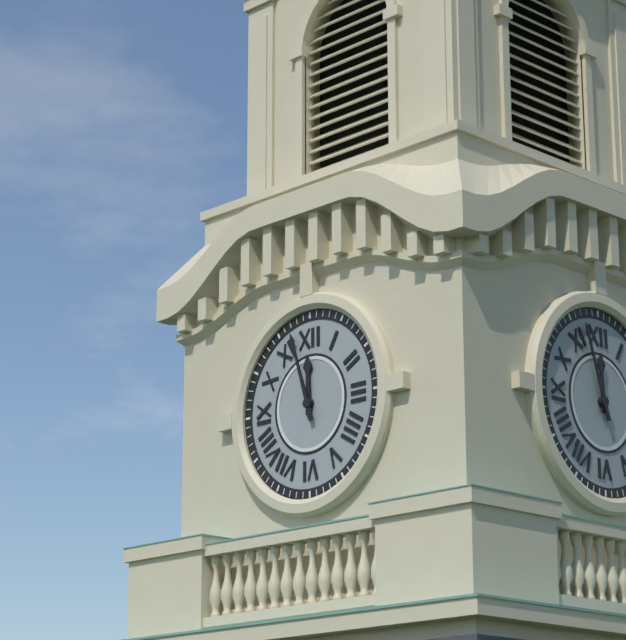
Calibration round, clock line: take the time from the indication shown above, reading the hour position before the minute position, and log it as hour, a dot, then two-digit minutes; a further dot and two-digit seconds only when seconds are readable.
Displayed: 11.57
